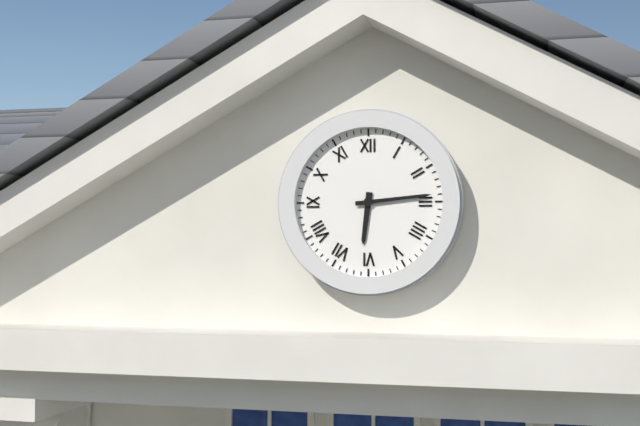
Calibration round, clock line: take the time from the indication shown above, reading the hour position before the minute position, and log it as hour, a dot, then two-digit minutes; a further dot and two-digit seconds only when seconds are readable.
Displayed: 6.14
